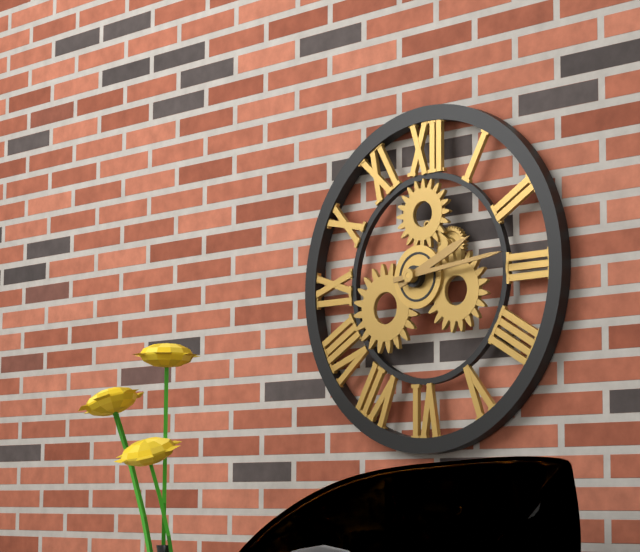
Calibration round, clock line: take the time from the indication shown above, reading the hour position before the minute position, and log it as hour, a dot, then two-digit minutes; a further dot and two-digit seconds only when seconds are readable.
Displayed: 2.14
